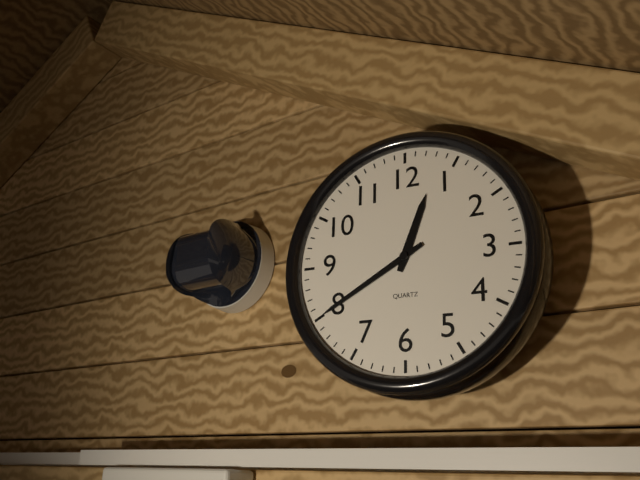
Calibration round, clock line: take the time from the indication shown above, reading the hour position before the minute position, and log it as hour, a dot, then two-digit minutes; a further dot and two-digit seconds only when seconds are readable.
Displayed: 12.40
